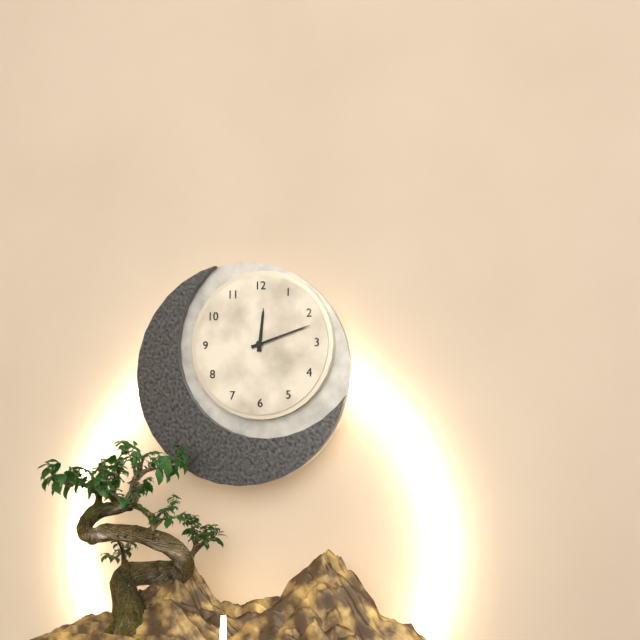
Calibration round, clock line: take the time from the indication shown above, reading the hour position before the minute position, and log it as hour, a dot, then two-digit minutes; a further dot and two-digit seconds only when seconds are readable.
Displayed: 12.12
